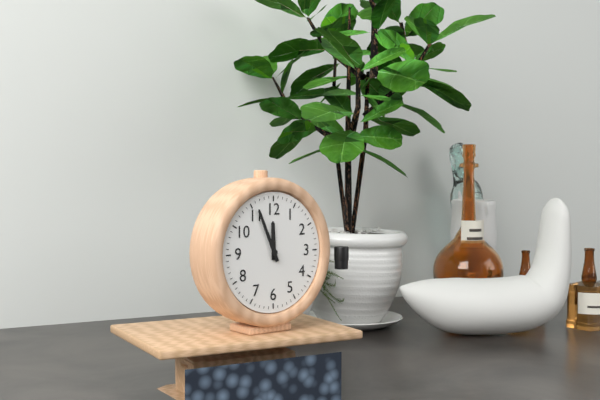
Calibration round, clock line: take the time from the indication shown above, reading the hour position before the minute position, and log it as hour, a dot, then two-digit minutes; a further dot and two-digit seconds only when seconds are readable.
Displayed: 11.56
